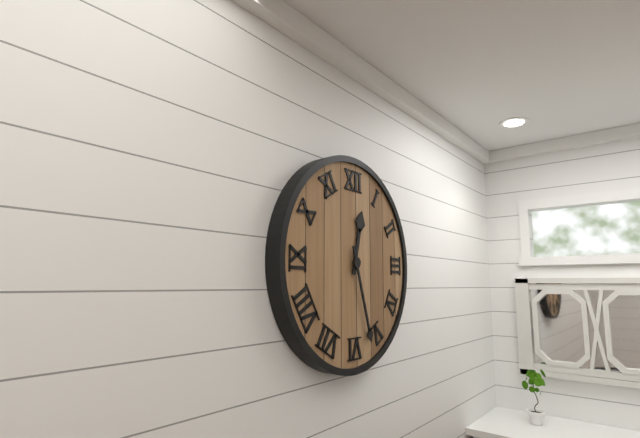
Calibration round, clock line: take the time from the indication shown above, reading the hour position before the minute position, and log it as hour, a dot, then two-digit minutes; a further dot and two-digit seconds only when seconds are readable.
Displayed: 12.27
